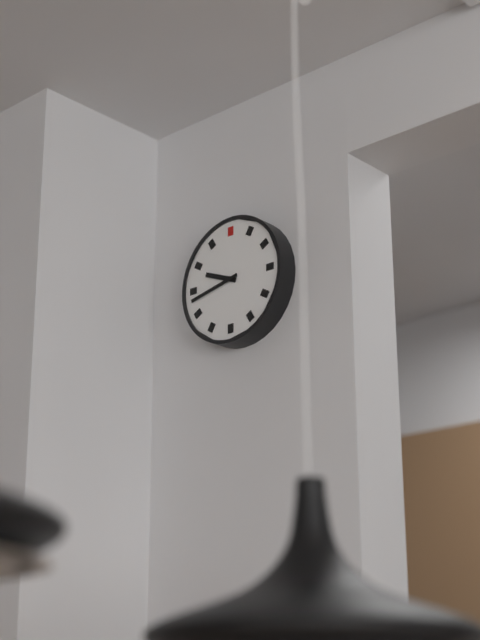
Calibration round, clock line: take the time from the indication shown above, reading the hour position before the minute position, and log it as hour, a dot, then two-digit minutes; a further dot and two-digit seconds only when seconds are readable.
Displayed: 9.43
